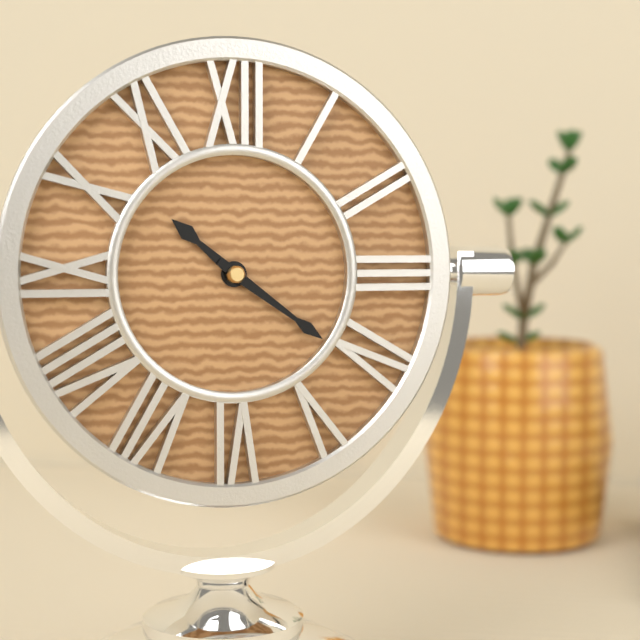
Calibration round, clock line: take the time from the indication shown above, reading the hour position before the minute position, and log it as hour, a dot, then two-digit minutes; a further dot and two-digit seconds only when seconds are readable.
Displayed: 10.21
